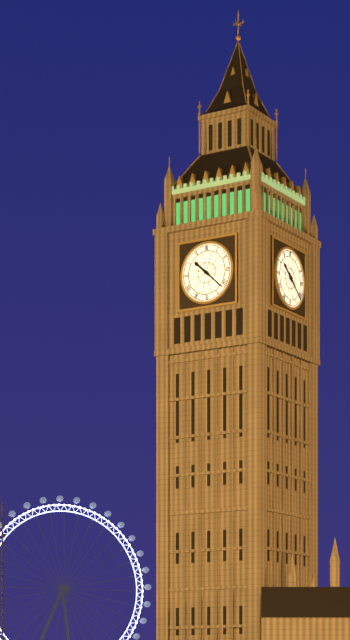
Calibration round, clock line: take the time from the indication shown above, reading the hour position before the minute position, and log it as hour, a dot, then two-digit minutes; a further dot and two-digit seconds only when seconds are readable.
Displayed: 10.22
